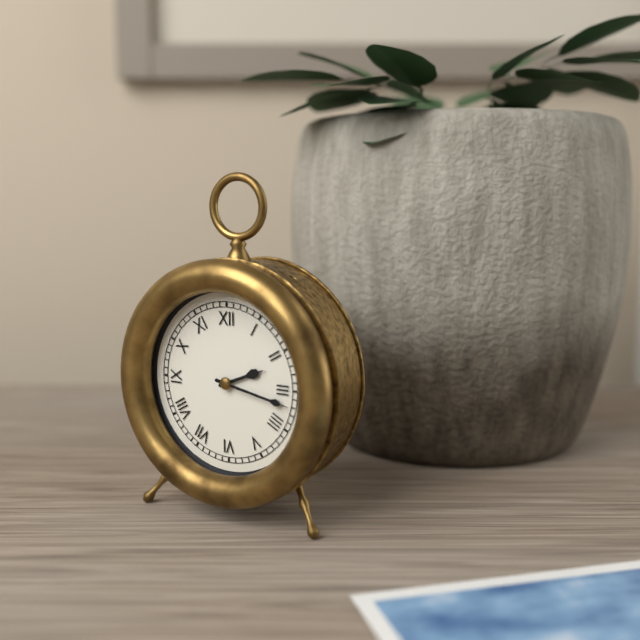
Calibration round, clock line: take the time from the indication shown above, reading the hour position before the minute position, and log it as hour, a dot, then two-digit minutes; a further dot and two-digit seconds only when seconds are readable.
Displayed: 2.17
